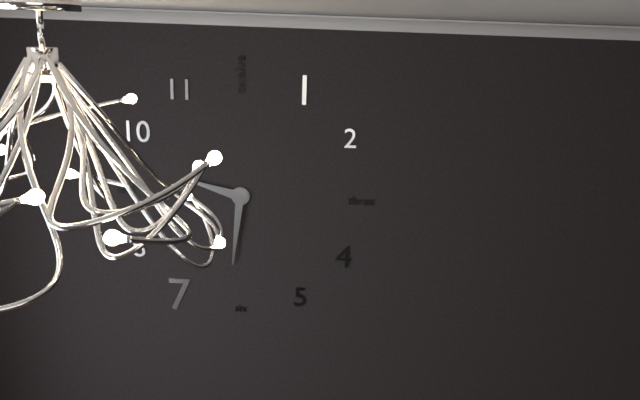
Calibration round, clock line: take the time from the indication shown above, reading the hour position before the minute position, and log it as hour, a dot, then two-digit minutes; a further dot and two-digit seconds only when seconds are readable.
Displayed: 9.31
